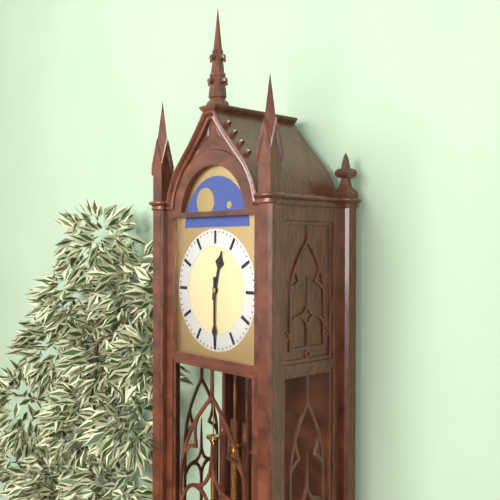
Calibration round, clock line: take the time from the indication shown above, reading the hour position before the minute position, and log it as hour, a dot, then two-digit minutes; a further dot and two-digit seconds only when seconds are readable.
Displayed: 12.30
